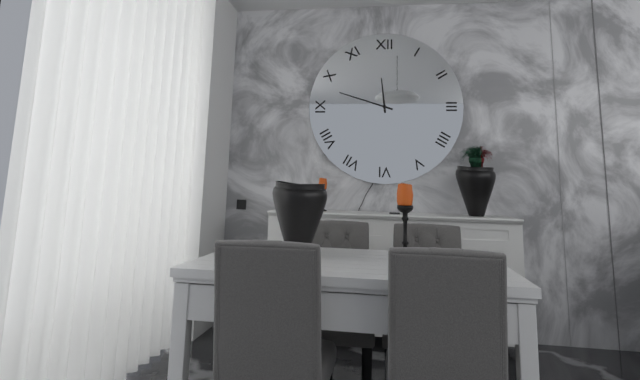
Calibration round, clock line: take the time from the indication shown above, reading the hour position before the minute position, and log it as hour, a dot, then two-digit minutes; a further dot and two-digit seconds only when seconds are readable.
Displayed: 11.48
